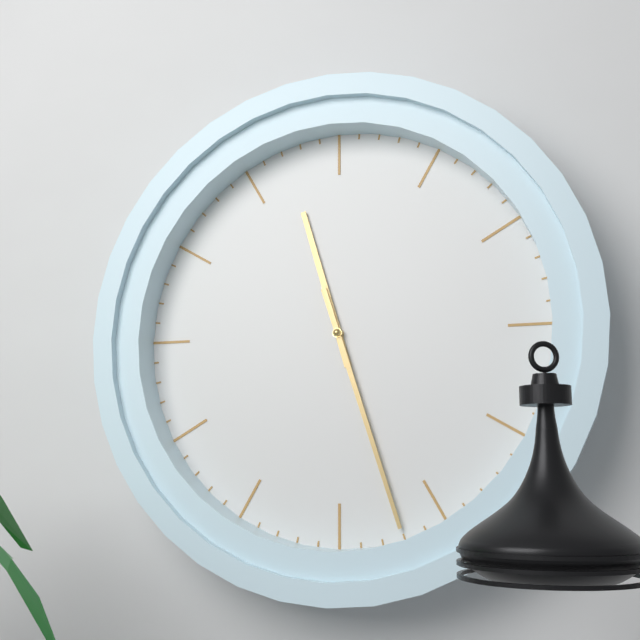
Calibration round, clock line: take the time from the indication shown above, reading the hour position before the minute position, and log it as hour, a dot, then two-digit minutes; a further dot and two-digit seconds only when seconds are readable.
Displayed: 11.27
